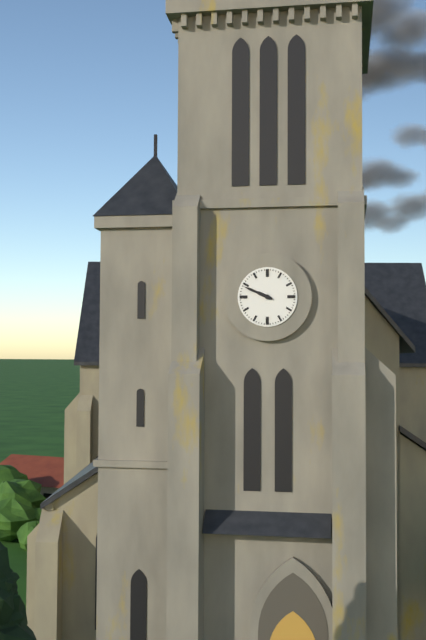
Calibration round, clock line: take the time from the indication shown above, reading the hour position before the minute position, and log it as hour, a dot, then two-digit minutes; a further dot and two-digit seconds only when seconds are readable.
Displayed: 9.49
